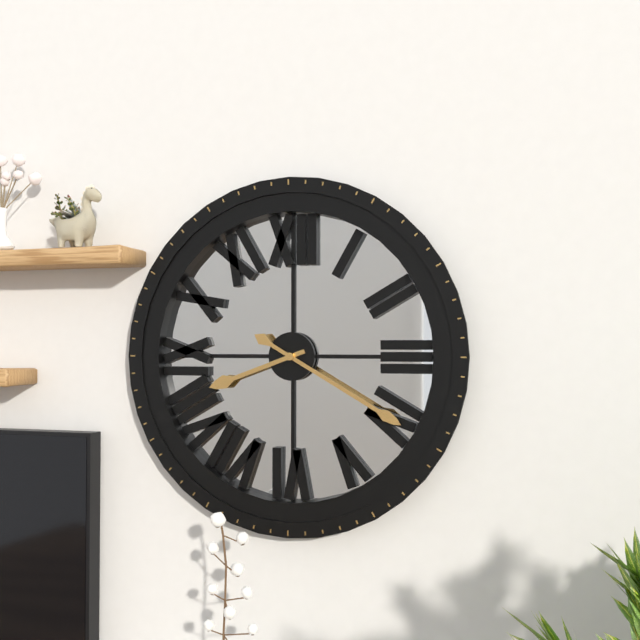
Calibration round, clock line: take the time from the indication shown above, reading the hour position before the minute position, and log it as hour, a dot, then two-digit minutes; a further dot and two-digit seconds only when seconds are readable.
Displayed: 8.20
